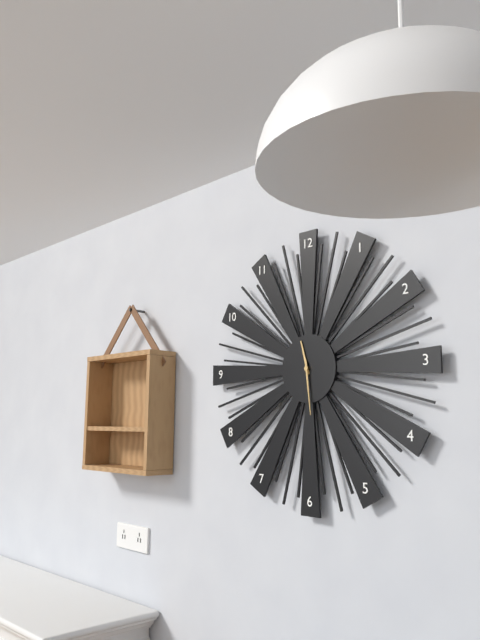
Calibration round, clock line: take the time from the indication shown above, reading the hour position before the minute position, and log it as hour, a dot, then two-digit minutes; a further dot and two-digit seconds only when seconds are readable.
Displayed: 11.29
